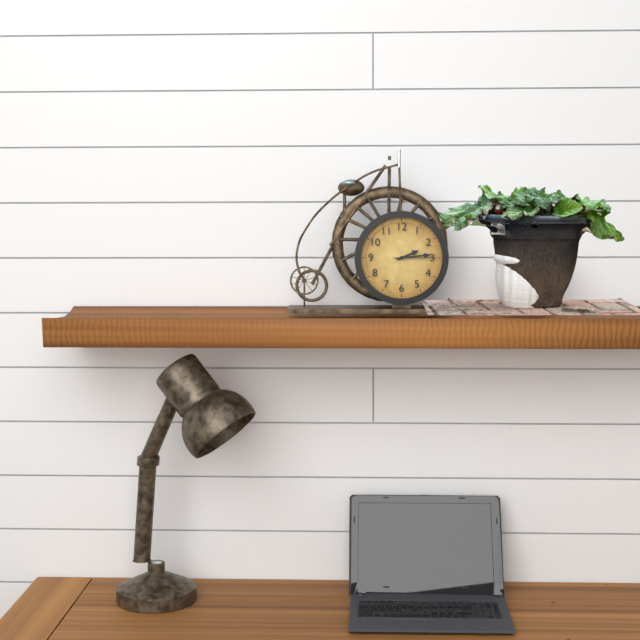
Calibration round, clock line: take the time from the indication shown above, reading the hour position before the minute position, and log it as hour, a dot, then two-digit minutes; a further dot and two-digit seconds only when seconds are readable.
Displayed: 2.14
